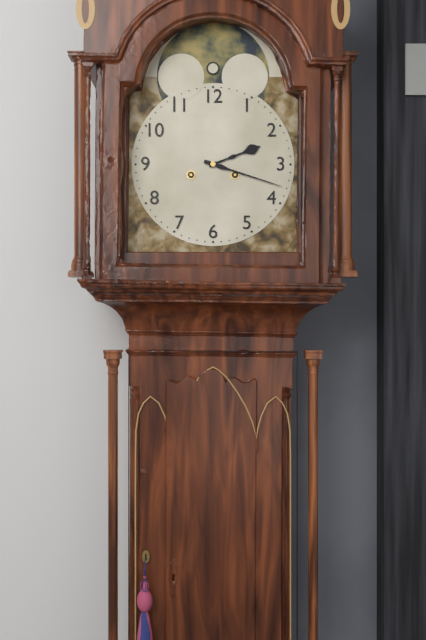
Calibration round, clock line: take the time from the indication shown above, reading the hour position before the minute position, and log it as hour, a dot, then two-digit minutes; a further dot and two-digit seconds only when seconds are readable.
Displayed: 2.18
